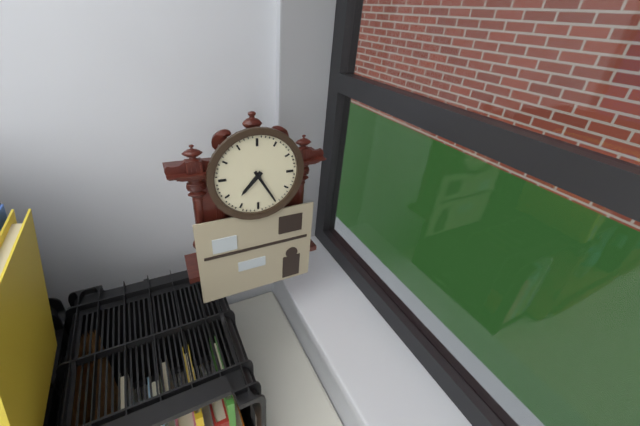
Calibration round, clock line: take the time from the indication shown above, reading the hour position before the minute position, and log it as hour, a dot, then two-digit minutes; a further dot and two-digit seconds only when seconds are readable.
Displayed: 7.25
